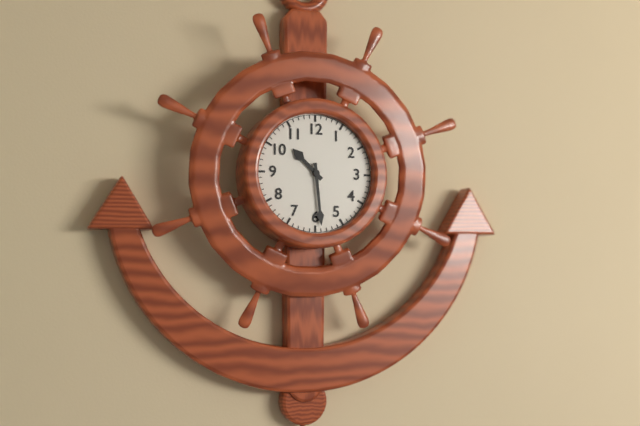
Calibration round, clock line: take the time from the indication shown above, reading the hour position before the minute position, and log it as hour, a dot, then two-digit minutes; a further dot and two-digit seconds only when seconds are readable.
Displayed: 10.29
